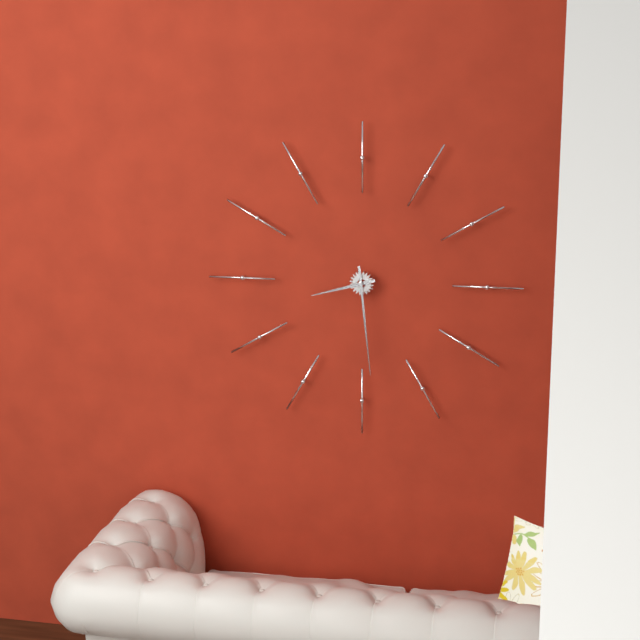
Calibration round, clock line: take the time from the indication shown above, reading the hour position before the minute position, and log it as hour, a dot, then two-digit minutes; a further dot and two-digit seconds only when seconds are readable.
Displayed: 8.29
